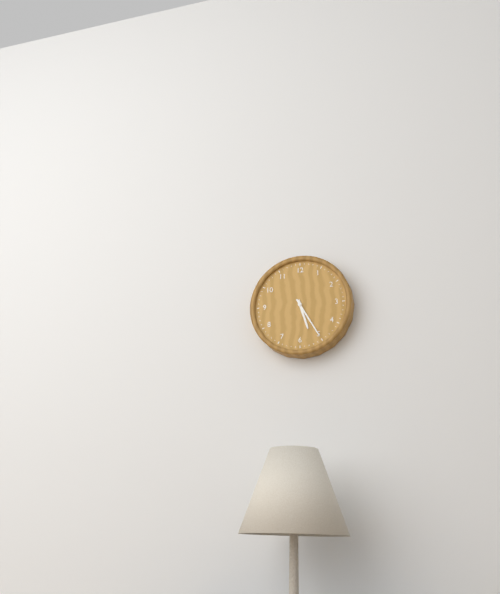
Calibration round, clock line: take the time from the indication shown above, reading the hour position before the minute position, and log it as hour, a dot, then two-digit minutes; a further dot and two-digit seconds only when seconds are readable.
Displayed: 5.25
